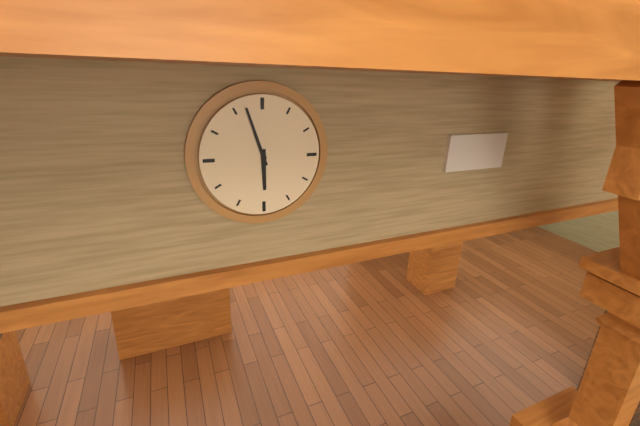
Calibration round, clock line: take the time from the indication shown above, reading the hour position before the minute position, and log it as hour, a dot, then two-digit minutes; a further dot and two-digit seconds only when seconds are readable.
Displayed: 5.57
